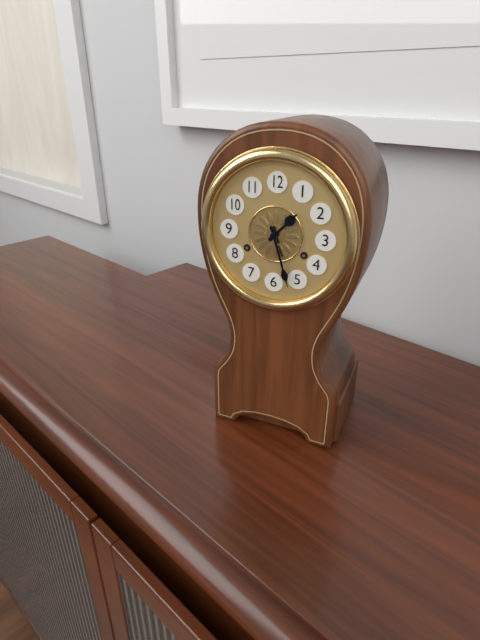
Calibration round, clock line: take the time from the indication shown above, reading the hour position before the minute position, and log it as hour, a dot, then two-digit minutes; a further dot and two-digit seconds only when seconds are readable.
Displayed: 1.27
